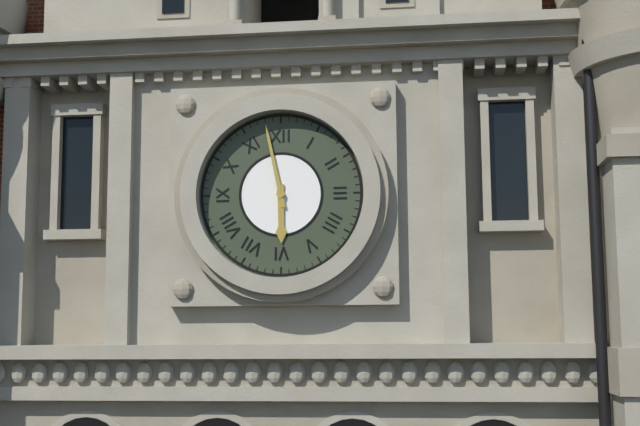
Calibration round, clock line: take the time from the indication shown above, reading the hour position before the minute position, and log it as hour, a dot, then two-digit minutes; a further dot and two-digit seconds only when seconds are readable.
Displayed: 5.58
